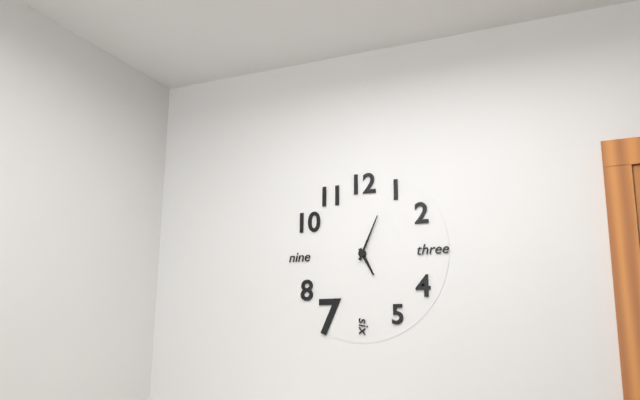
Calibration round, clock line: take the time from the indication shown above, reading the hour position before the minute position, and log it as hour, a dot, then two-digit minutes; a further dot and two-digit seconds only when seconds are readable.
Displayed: 5.04
